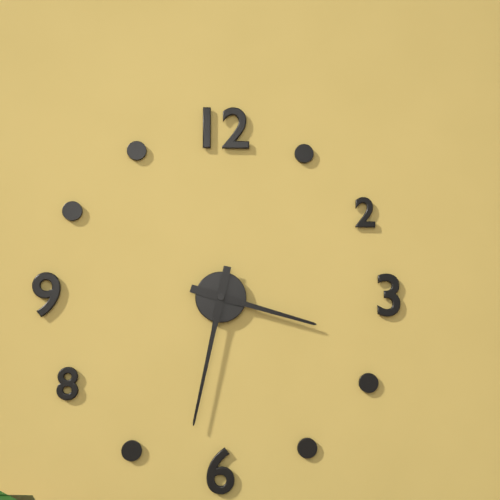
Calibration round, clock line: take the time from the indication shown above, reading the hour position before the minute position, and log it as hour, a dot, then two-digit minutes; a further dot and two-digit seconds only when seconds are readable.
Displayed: 3.32
